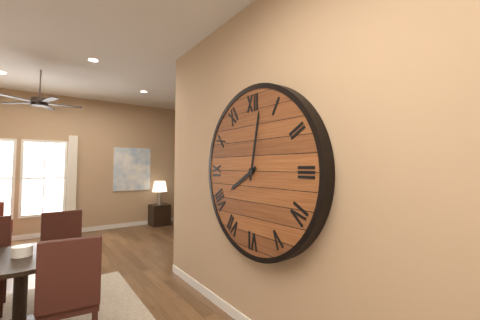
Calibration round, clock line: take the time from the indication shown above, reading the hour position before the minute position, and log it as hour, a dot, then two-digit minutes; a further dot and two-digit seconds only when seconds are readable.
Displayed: 8.02
